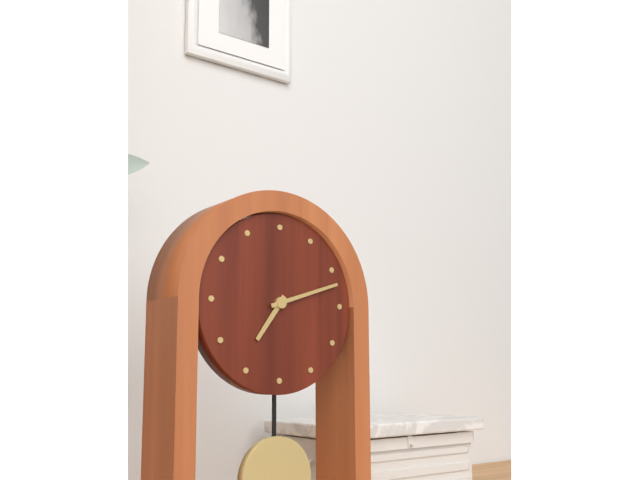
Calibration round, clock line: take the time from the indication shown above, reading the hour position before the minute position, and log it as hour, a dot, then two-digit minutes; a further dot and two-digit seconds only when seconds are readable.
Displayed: 7.12
